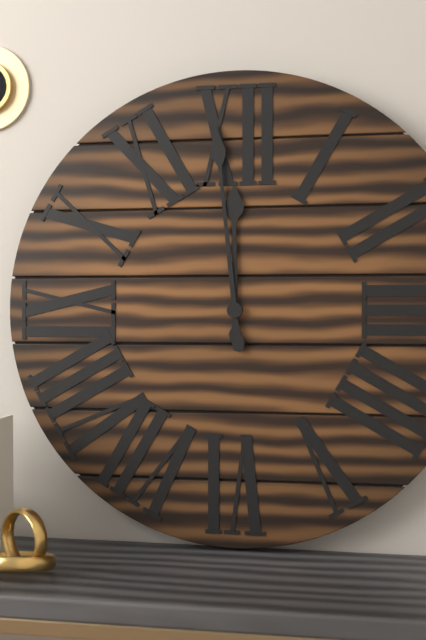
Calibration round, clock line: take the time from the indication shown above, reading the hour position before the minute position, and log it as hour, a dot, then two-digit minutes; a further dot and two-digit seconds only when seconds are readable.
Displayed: 11.59
